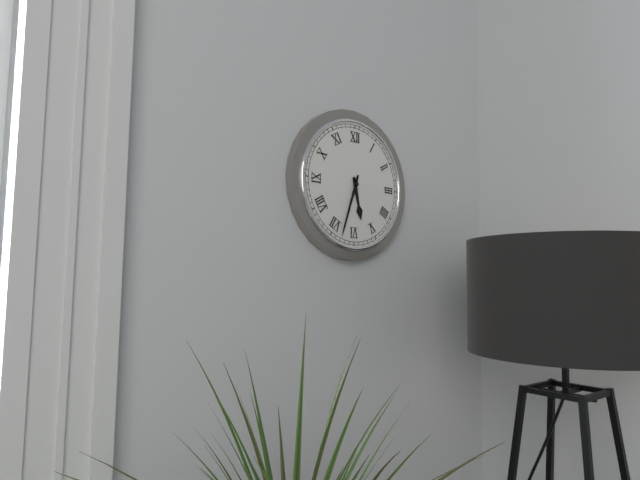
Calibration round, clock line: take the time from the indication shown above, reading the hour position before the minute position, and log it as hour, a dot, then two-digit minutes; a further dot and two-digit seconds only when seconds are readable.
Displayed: 5.33
